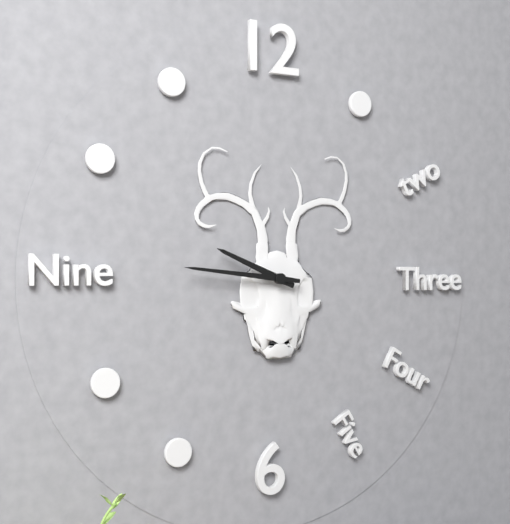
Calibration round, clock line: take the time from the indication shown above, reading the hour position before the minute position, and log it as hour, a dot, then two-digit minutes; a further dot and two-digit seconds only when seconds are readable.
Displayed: 9.46
